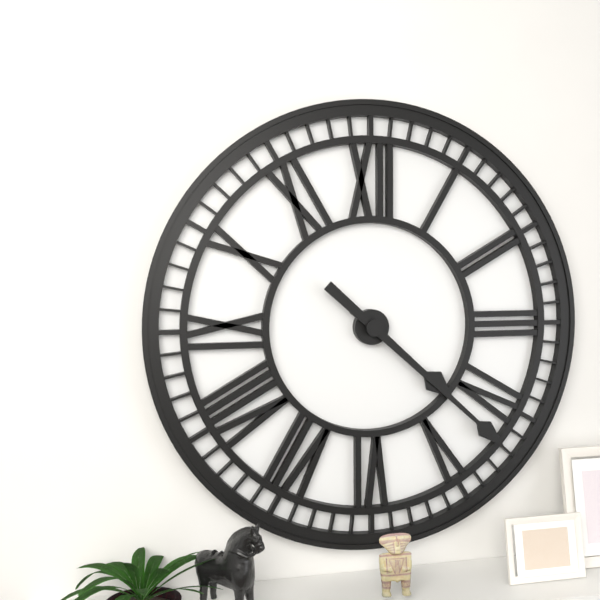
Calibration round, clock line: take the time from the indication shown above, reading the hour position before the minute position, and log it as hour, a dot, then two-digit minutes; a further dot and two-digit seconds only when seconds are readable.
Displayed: 4.22
